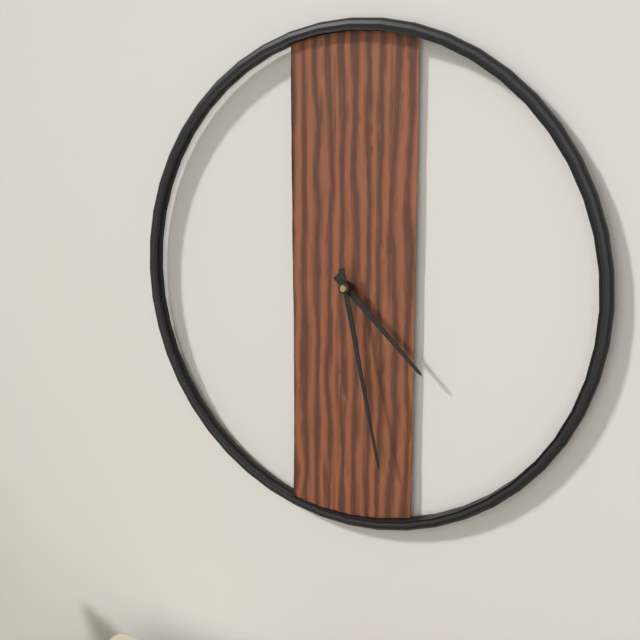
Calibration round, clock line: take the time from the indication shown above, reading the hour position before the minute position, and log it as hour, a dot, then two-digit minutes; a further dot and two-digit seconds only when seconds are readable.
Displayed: 4.28
